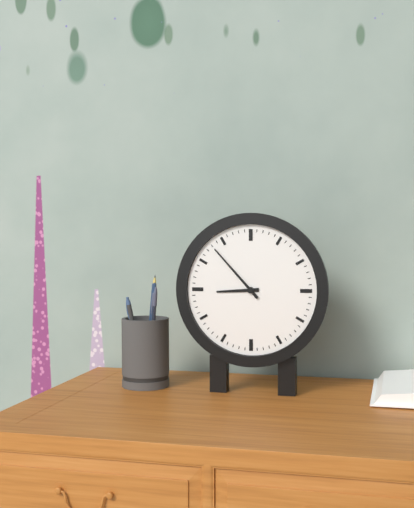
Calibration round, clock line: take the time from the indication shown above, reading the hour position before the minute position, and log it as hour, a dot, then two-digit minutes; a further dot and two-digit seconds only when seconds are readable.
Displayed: 8.53
